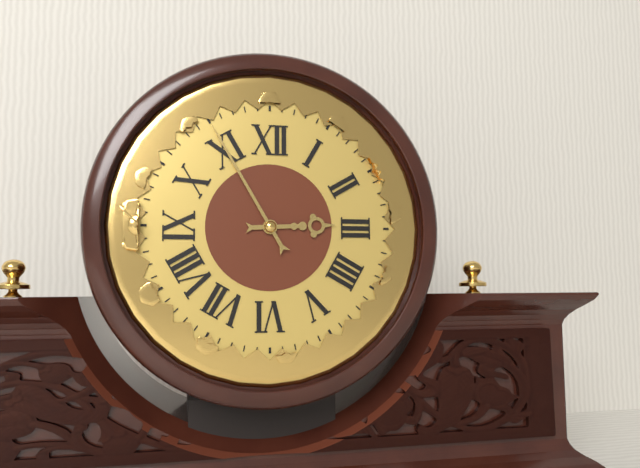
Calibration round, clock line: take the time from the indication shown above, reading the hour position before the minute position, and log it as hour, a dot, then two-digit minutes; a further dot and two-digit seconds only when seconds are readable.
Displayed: 2.55
